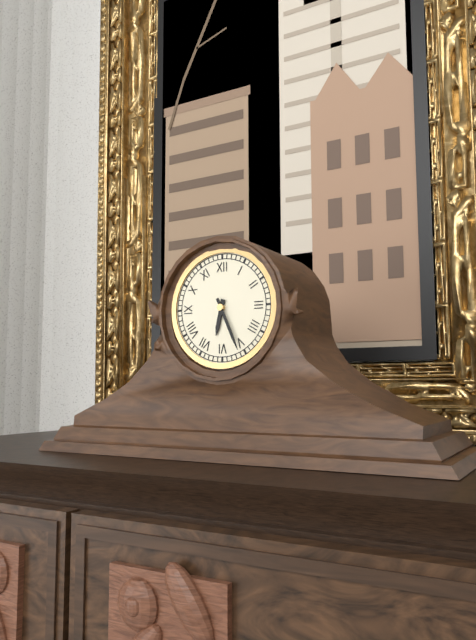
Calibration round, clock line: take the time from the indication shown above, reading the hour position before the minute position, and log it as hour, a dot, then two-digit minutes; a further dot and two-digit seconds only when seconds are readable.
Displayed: 6.26
